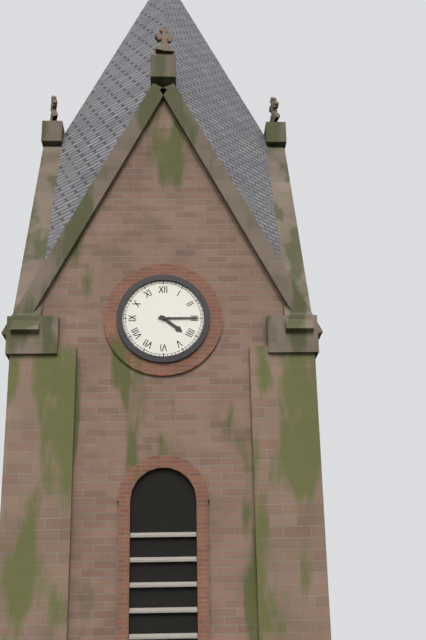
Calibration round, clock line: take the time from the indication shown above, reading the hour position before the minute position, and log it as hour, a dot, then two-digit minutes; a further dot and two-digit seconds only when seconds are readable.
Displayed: 4.15
